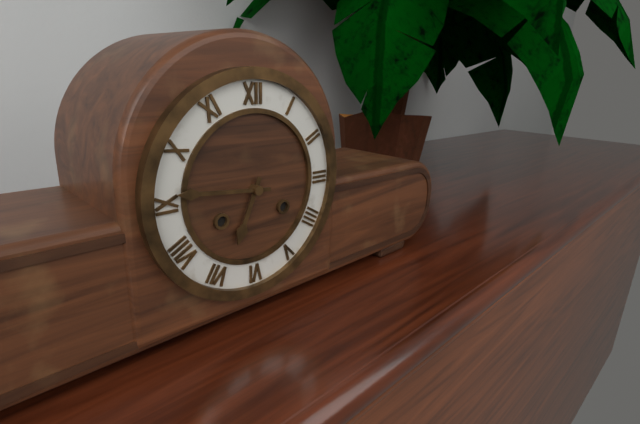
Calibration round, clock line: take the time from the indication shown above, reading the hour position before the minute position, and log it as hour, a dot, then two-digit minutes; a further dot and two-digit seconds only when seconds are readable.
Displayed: 6.46
